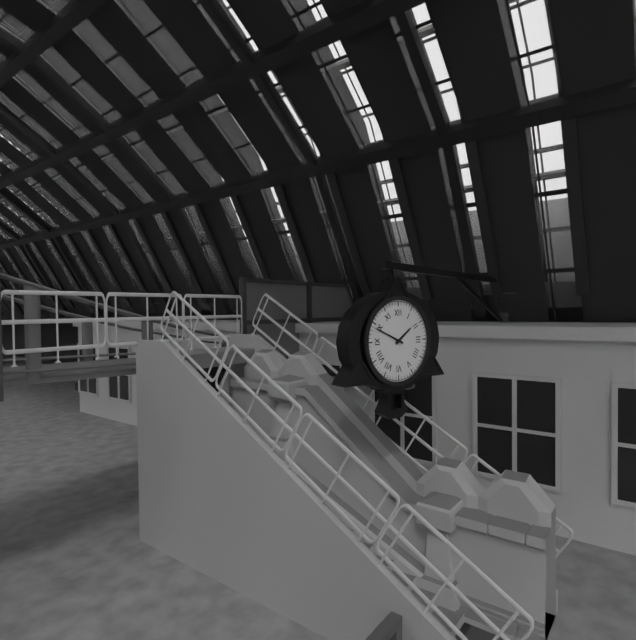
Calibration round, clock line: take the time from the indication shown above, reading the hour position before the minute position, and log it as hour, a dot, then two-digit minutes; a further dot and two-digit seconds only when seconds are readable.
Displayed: 1.49
